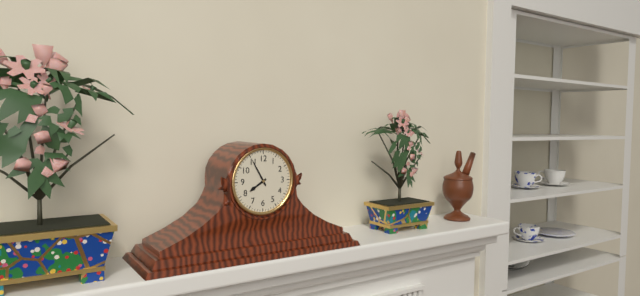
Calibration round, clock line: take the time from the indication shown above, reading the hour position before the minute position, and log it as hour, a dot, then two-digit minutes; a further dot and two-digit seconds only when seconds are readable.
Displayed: 7.55
